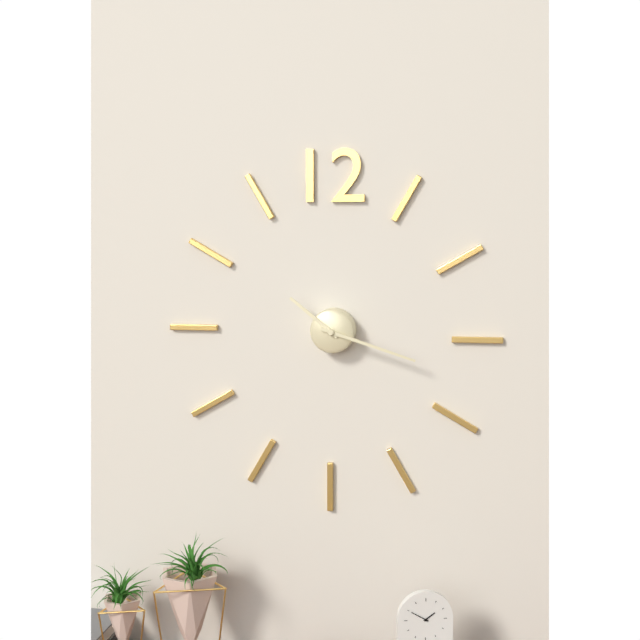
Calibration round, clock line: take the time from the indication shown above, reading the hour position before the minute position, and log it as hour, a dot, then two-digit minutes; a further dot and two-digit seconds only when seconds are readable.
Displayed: 10.18
